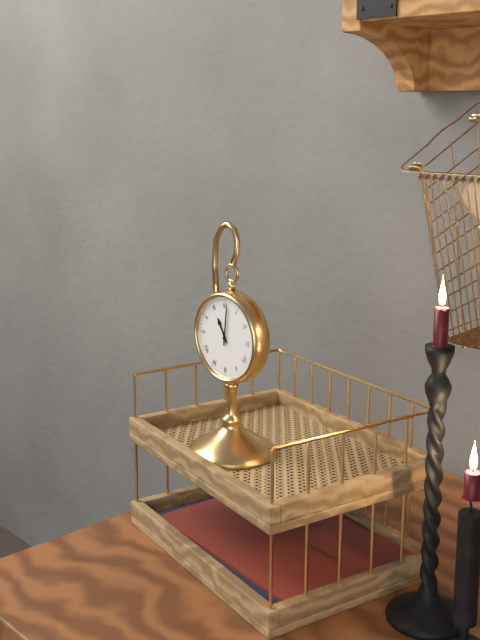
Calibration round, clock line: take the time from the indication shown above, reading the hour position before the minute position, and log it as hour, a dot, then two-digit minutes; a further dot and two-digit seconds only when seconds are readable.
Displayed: 11.01
